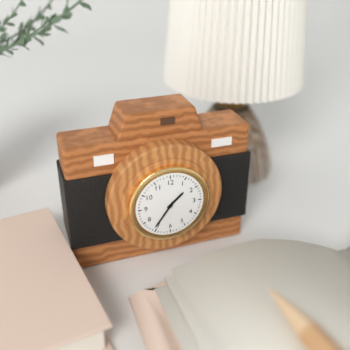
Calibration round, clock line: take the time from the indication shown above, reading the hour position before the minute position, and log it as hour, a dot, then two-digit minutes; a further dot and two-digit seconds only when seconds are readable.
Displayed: 1.36
